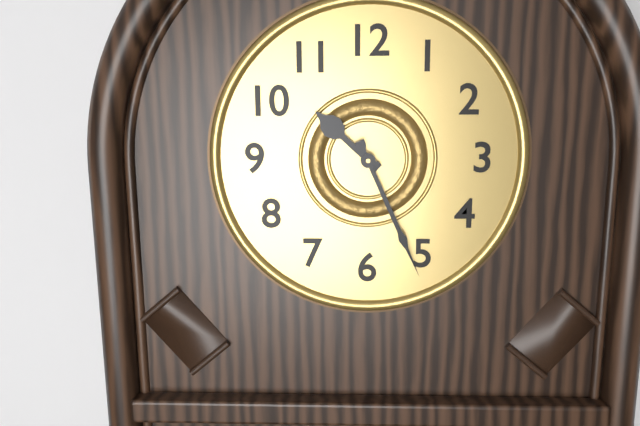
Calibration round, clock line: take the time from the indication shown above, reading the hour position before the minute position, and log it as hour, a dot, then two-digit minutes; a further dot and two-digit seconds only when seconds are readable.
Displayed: 10.26
